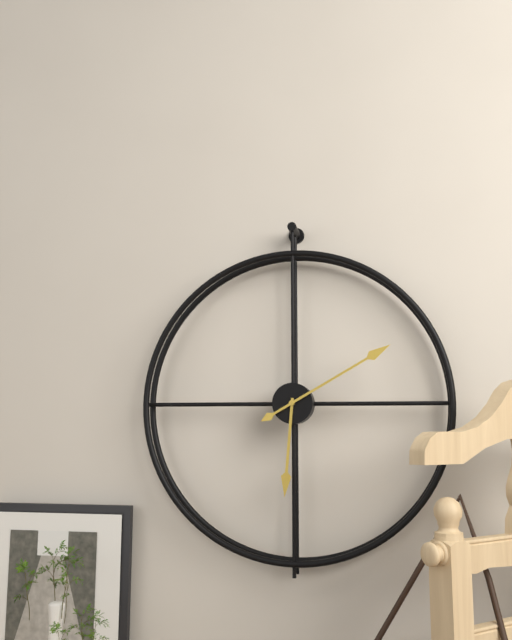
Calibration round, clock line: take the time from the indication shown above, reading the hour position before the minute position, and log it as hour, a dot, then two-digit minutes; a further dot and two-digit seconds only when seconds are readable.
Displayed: 6.10
